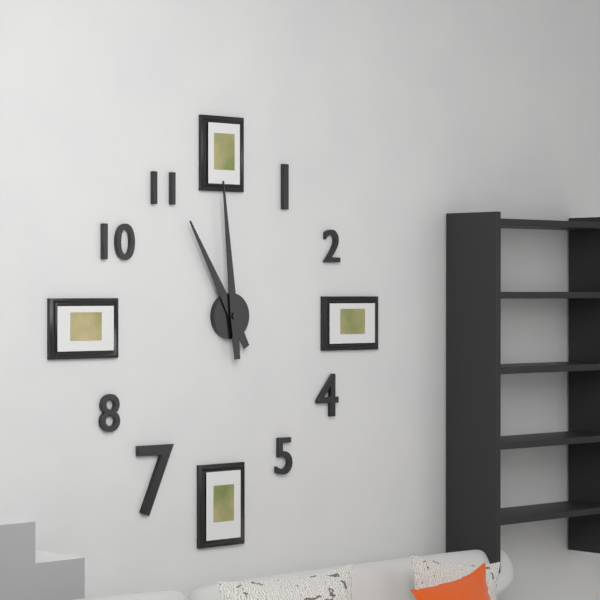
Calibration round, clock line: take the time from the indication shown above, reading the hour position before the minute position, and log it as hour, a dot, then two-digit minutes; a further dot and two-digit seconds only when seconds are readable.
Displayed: 10.59
